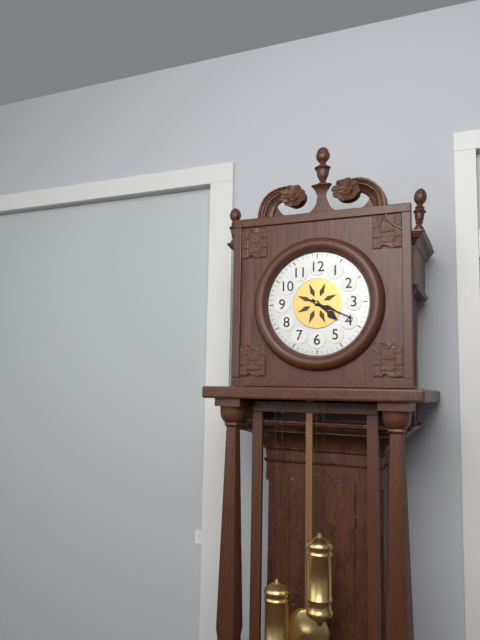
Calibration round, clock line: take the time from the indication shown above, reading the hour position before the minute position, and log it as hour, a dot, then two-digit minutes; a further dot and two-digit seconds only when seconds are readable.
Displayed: 4.19
